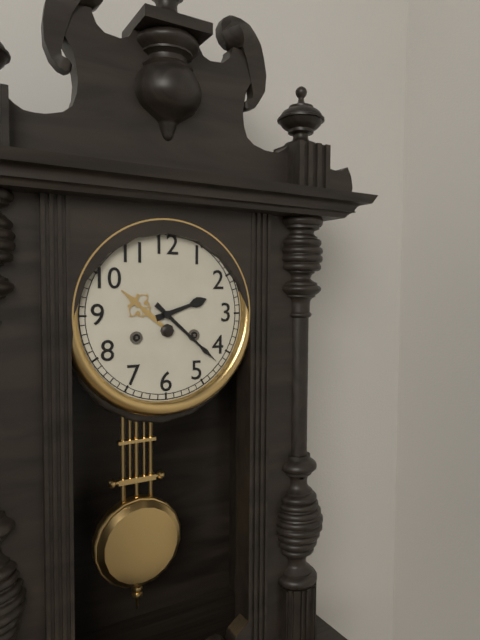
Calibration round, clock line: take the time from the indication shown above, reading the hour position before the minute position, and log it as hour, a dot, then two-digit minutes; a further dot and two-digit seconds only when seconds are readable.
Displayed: 2.22
